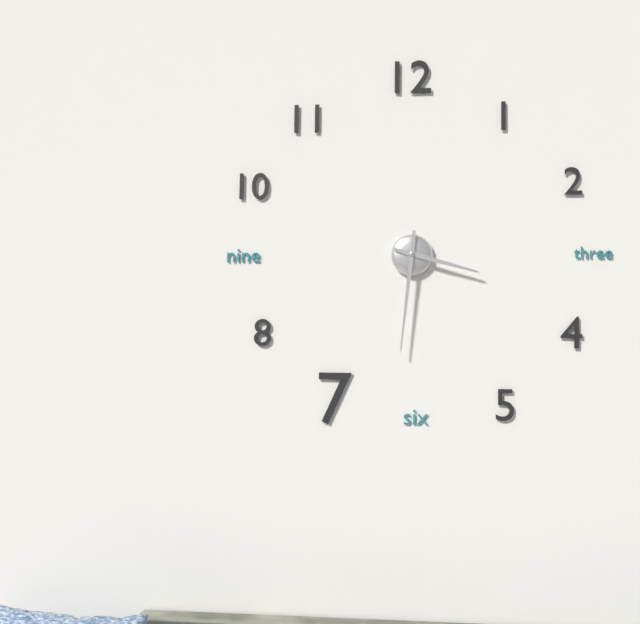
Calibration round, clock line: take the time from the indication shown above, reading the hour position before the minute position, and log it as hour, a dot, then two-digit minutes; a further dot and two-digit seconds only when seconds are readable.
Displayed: 3.31
